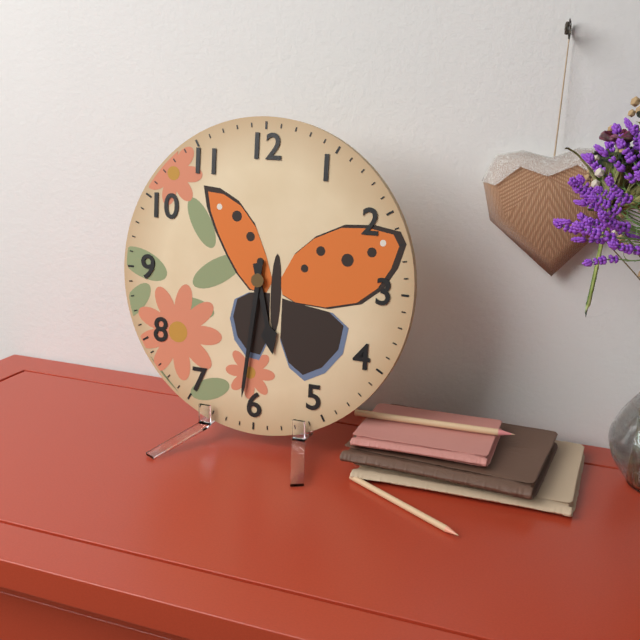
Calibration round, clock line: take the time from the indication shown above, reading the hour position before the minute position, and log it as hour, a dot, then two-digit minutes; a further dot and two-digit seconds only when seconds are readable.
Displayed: 5.31
